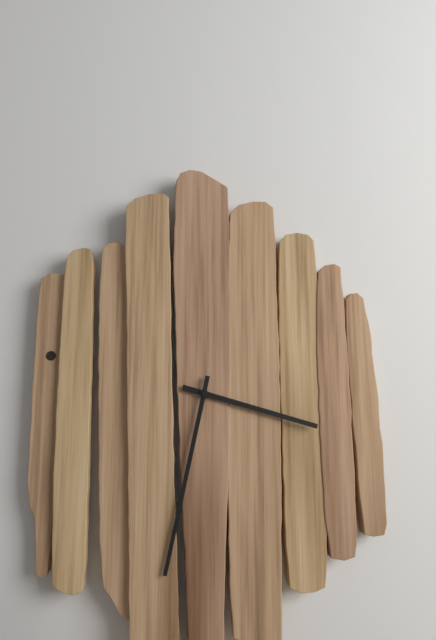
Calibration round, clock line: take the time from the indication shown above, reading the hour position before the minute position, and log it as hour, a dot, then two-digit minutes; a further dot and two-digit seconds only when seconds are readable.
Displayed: 3.32
